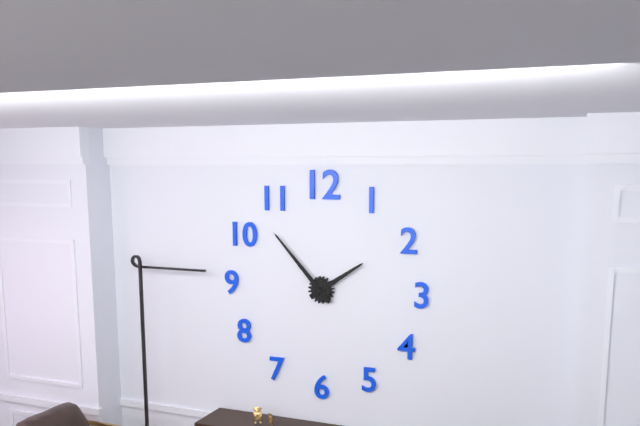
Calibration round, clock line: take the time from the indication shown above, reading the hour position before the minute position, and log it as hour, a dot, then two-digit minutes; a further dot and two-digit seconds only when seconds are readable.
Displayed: 1.53
